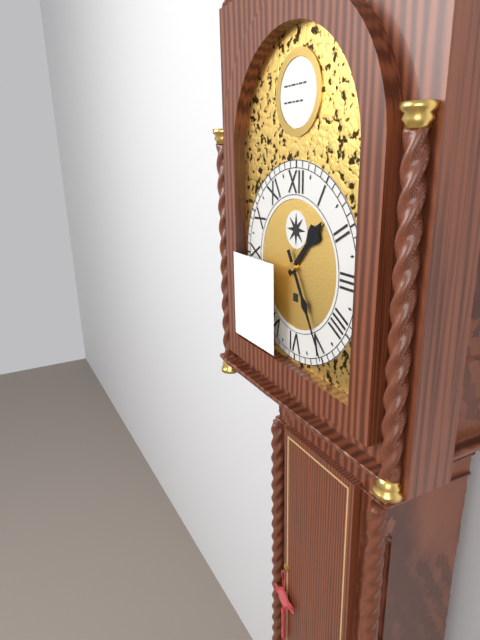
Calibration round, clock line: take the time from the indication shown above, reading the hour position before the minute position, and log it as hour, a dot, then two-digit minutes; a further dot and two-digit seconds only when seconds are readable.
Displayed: 1.25
